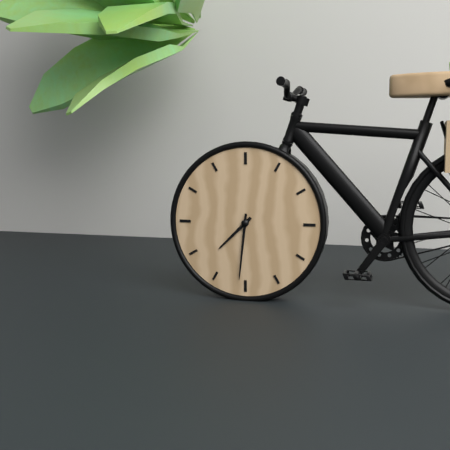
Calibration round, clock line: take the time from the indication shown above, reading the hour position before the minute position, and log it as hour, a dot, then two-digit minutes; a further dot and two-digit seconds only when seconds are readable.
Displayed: 7.31
